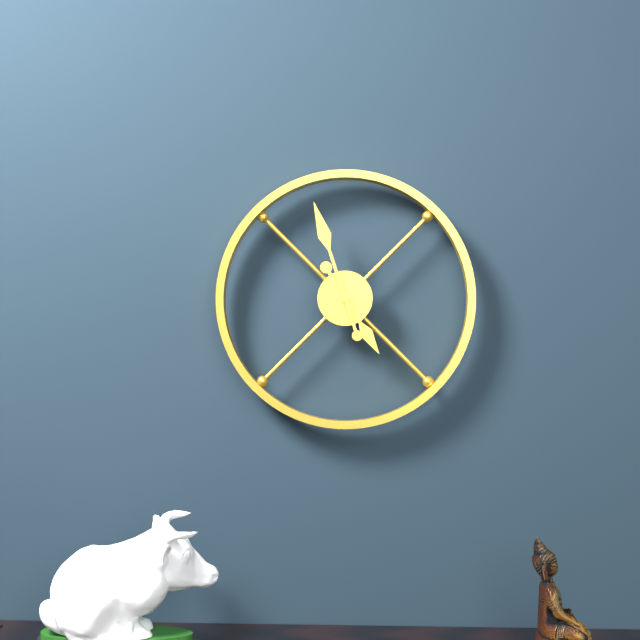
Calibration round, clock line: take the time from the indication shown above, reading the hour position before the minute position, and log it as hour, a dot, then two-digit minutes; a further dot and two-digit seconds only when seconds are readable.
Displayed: 4.57
